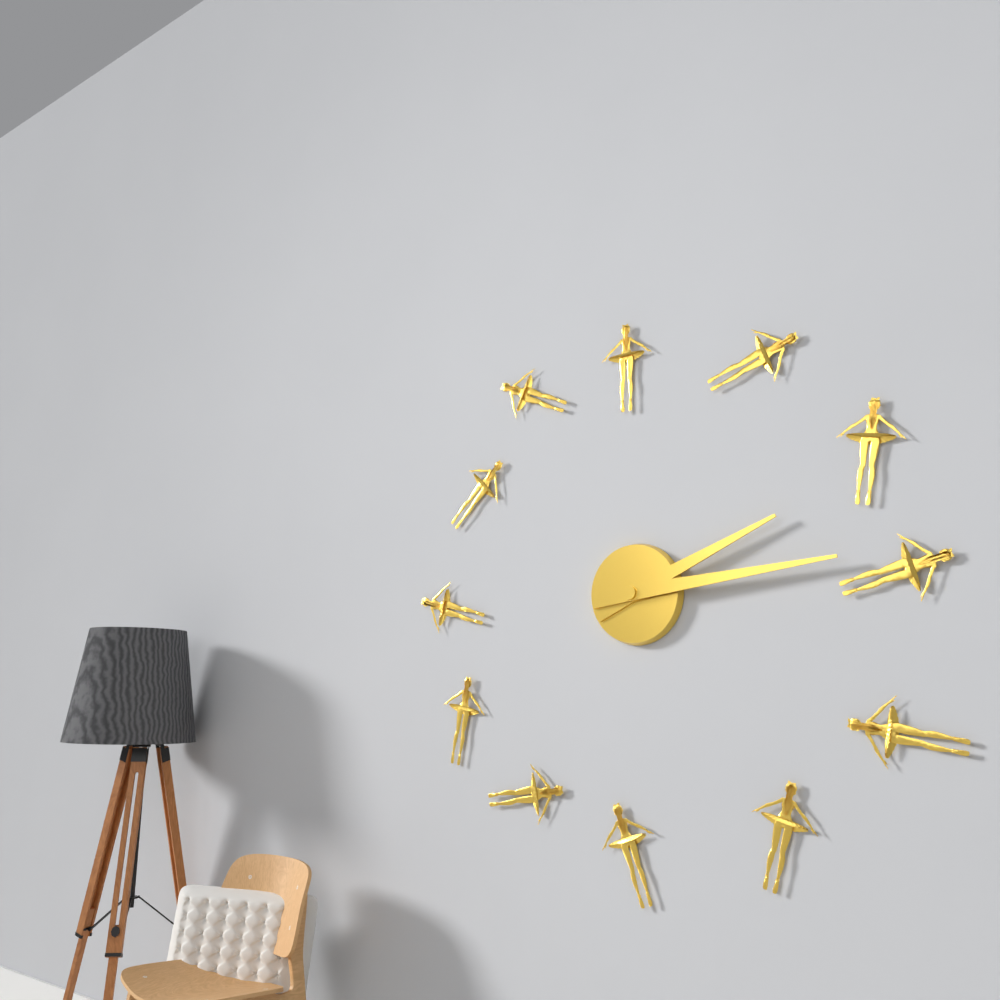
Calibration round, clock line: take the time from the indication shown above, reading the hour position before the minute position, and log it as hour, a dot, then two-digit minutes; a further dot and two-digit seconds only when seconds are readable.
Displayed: 2.14
